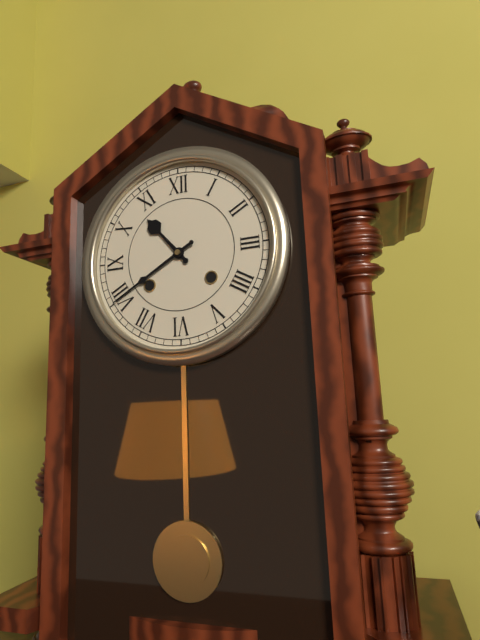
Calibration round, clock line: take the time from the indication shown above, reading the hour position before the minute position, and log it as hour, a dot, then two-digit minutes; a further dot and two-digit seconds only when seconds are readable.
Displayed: 10.40
